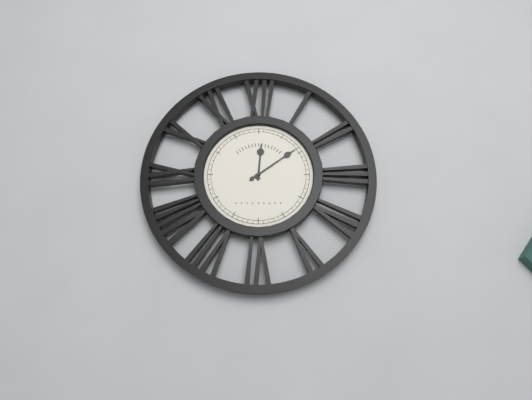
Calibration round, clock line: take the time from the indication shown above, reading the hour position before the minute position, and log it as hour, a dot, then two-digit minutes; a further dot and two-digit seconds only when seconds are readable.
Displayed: 12.09
